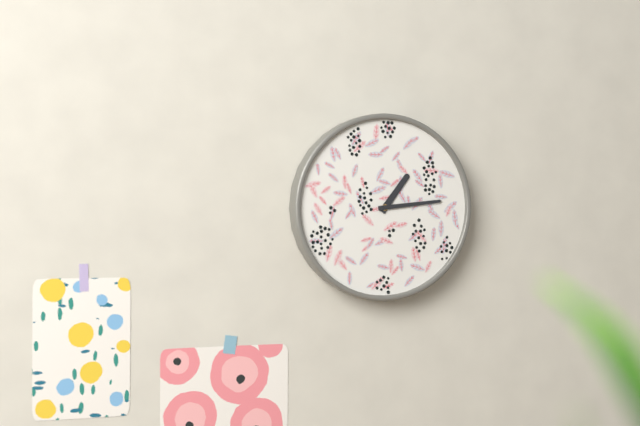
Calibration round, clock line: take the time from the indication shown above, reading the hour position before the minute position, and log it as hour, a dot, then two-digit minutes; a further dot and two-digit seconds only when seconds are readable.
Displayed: 1.14
